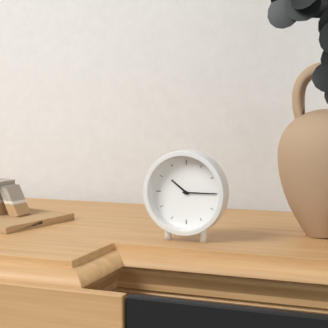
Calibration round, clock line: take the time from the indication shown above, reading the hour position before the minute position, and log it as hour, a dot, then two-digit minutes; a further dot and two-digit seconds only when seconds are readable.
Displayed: 10.15
